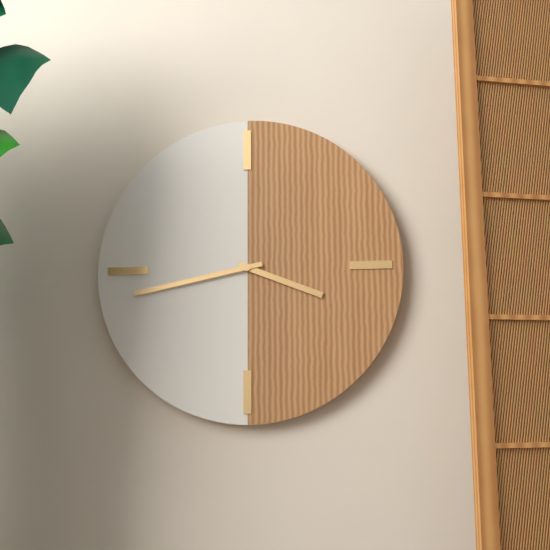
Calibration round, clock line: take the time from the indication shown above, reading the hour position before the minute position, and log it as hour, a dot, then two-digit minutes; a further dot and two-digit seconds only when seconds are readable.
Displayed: 3.43
